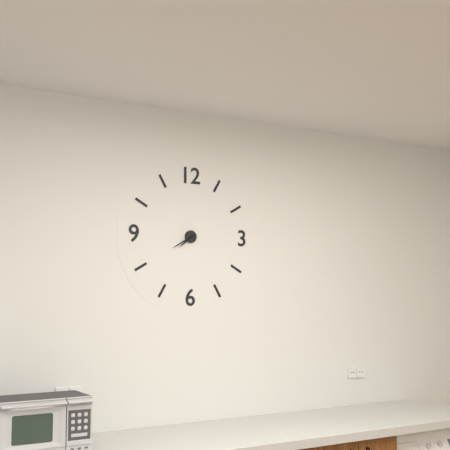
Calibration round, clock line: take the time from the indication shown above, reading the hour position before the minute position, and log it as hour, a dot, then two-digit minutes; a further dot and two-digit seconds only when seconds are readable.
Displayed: 7.40
